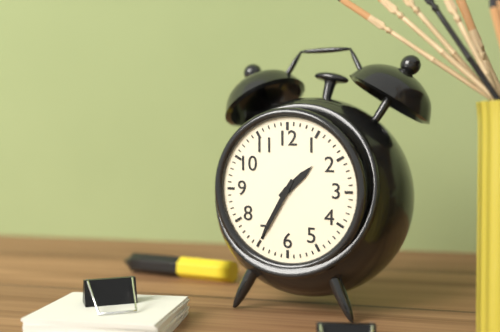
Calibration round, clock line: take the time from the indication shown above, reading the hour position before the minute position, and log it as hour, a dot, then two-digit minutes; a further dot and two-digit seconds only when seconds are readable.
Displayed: 1.35
